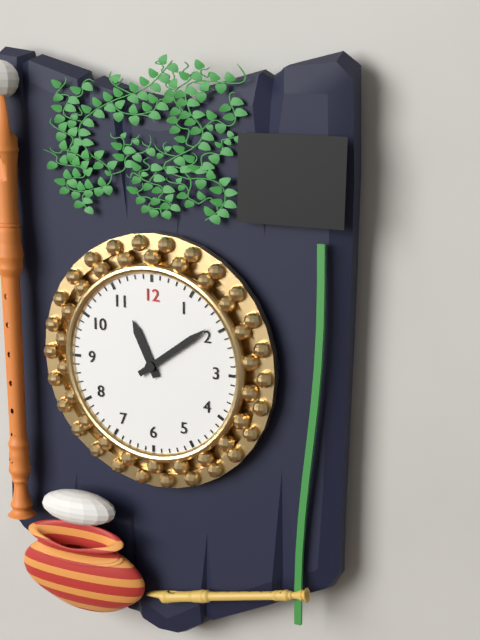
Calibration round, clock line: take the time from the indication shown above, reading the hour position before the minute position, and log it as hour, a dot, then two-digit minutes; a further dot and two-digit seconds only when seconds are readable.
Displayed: 11.09
